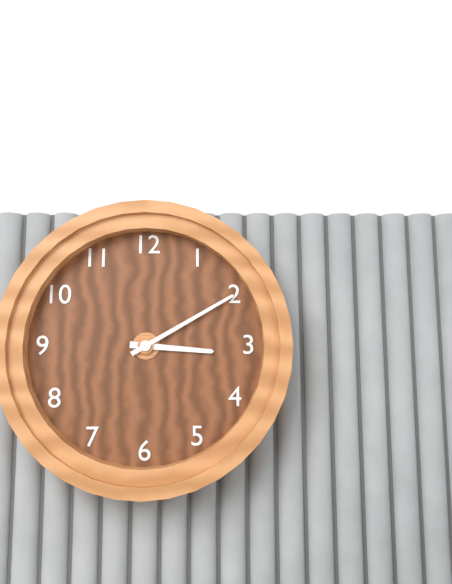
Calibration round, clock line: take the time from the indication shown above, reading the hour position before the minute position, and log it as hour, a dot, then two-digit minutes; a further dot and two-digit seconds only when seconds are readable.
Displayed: 3.10
